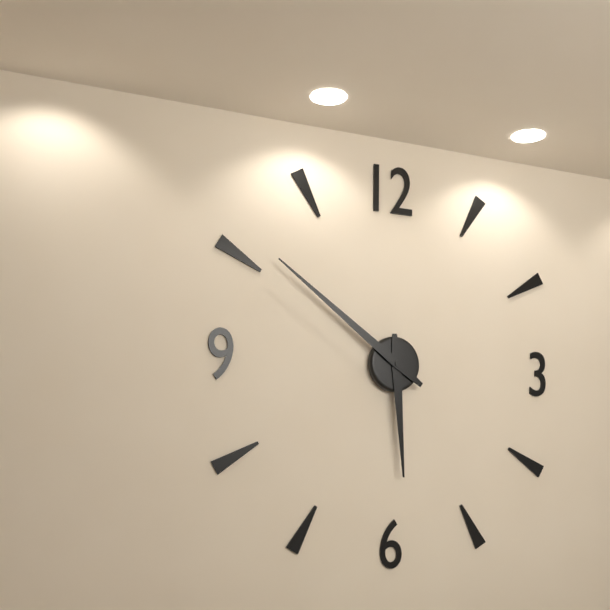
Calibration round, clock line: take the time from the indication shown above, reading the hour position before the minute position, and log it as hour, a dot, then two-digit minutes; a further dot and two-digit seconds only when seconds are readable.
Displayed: 5.51
